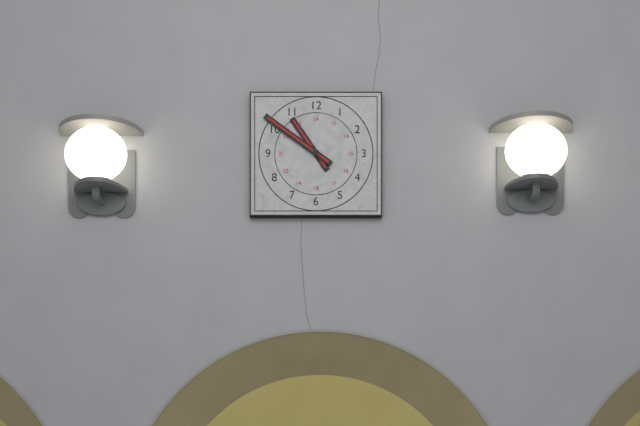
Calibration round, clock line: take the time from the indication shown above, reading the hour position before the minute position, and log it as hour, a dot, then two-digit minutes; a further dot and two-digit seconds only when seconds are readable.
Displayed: 10.51
